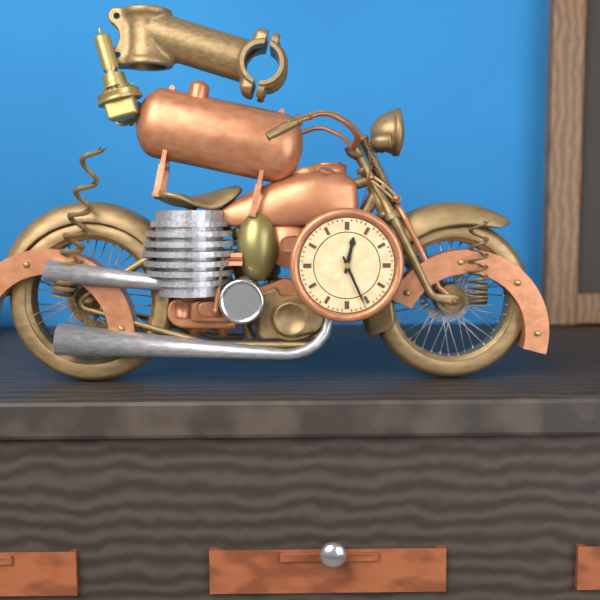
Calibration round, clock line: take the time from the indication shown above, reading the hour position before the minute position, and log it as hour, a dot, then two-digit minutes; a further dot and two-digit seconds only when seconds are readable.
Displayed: 12.26
